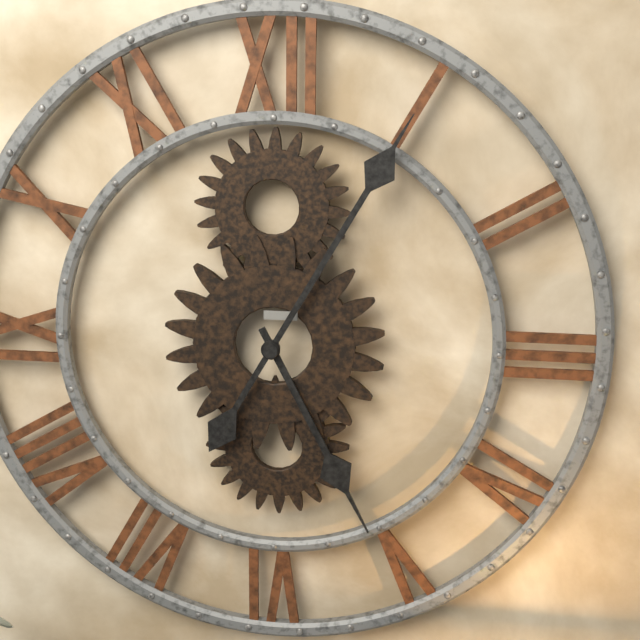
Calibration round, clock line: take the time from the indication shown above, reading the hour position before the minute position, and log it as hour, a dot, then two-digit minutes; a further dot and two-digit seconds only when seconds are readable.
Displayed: 5.05
